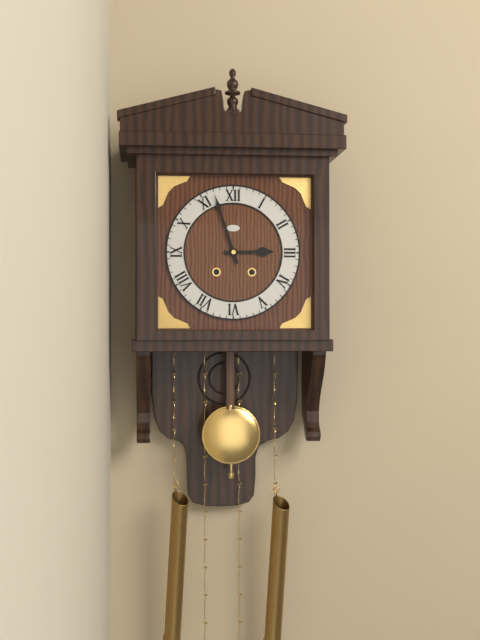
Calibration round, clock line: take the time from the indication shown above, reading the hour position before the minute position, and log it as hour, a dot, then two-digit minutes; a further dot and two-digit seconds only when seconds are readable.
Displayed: 2.57
